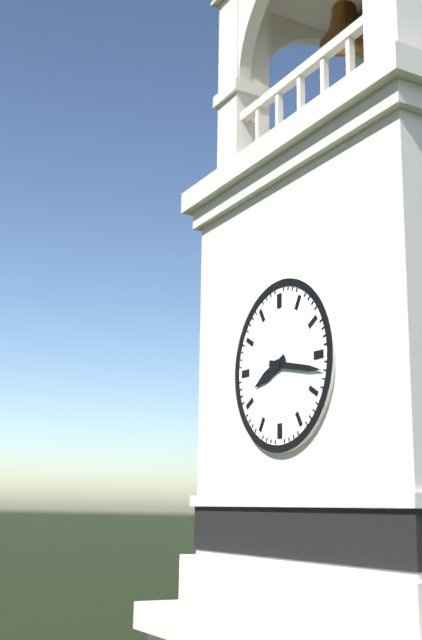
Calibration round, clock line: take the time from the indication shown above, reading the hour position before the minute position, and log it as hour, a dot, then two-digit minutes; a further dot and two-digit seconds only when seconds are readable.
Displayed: 8.17
